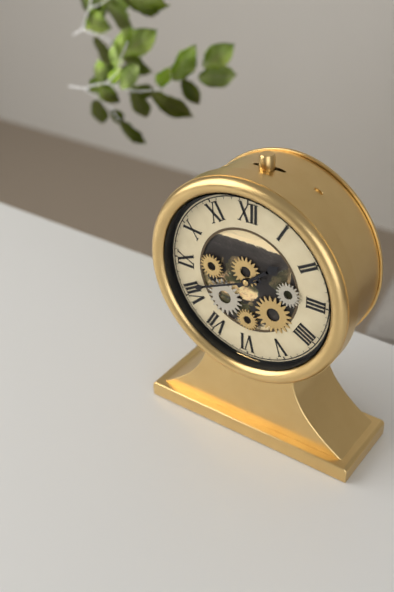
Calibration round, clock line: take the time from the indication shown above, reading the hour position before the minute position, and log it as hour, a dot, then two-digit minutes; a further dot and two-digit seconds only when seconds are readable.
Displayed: 1.41
